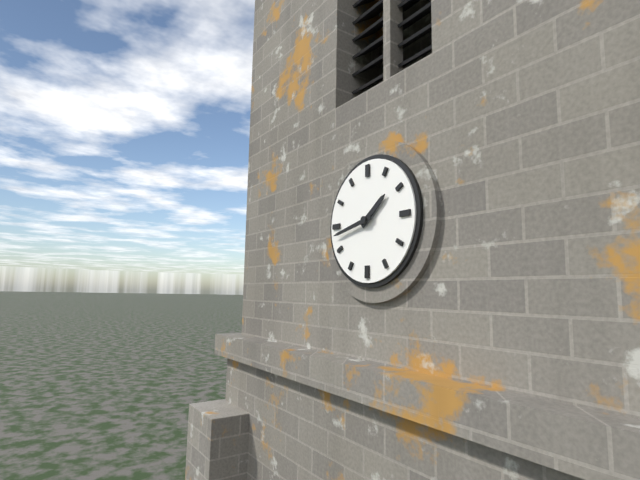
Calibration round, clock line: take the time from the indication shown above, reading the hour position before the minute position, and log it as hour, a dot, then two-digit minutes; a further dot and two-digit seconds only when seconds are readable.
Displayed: 1.43
